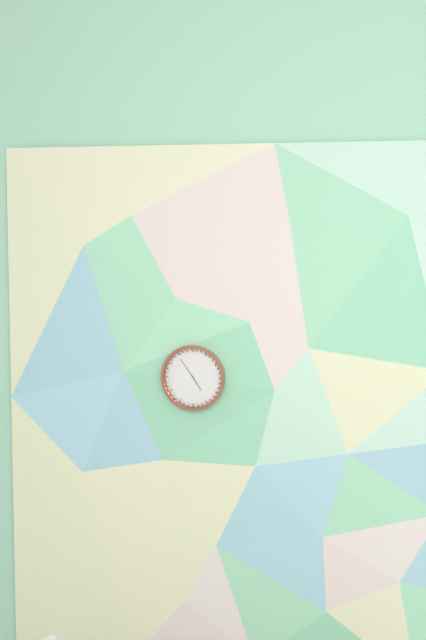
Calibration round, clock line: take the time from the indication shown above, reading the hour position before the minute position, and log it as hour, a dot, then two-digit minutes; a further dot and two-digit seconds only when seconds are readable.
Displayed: 4.54
